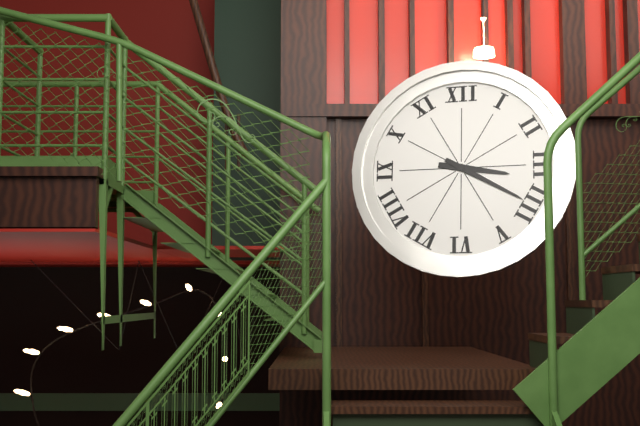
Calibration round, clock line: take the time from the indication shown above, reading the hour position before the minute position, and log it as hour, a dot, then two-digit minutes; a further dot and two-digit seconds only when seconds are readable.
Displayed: 3.20
